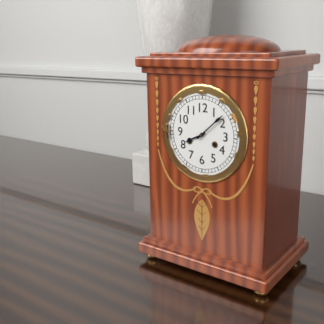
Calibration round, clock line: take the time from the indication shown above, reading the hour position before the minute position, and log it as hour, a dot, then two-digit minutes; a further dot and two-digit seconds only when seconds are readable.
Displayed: 8.08
